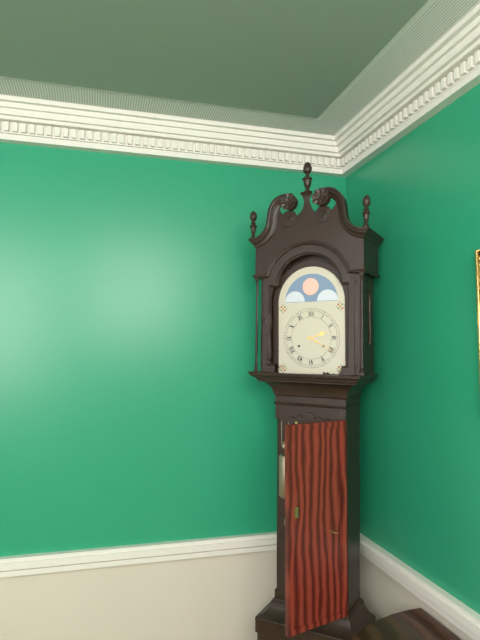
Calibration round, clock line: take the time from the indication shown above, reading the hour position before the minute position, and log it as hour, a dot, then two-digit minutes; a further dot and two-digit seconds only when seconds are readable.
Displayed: 2.20
